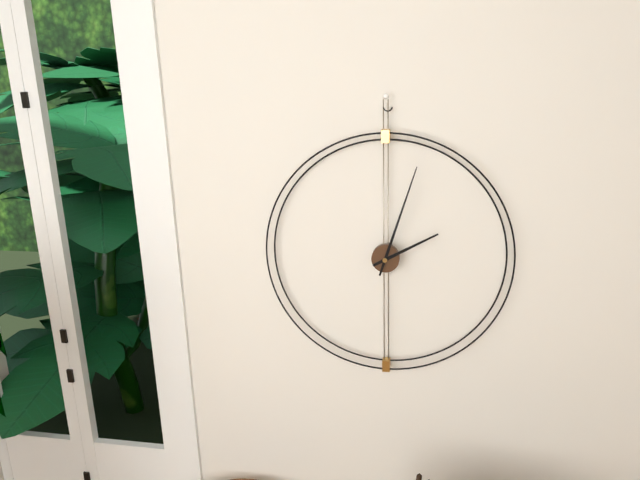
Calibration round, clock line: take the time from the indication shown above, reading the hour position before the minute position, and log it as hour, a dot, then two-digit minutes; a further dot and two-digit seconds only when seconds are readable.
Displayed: 2.03
